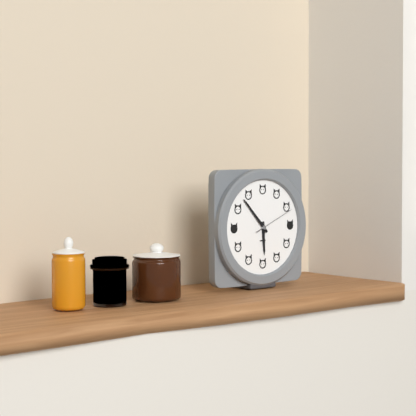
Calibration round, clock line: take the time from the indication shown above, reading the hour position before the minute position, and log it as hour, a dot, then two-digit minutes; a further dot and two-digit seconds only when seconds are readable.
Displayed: 5.53
